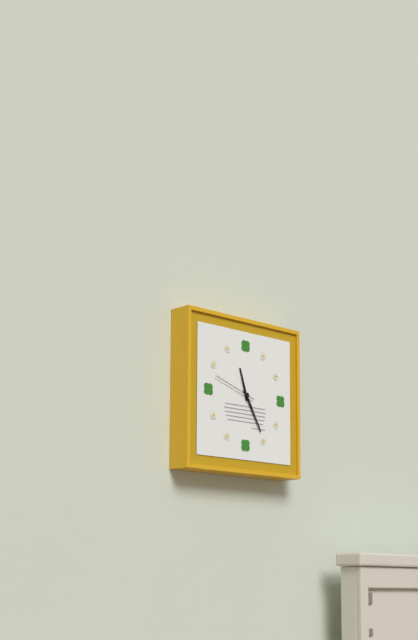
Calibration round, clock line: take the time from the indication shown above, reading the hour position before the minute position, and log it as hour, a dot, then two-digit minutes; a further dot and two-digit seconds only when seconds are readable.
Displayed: 11.25
